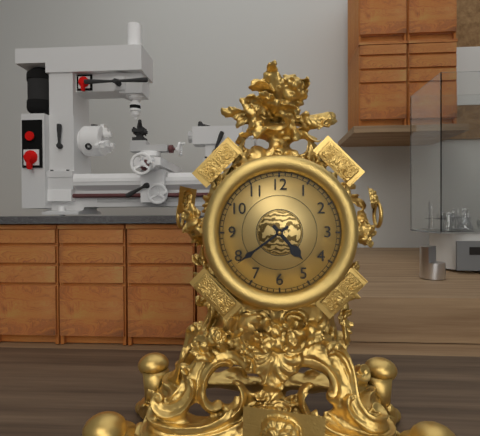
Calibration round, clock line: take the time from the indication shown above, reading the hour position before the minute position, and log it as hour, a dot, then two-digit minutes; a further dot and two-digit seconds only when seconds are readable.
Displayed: 4.39
